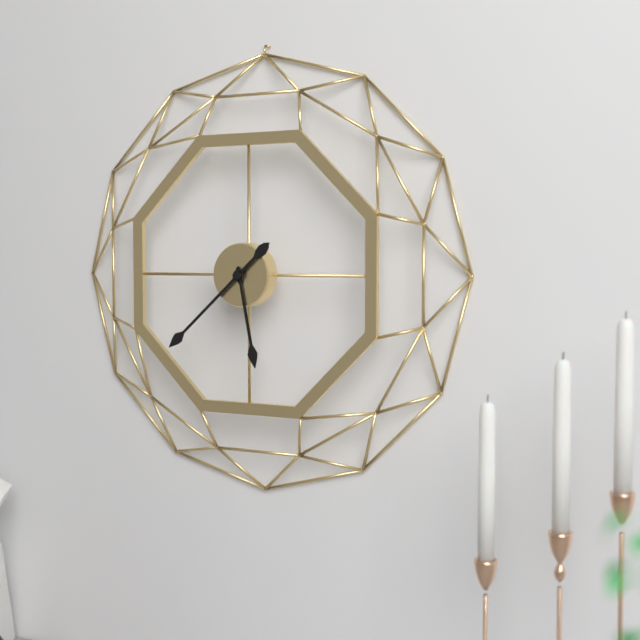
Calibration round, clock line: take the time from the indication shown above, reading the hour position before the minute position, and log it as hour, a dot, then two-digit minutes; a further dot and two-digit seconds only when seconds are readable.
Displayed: 5.38
